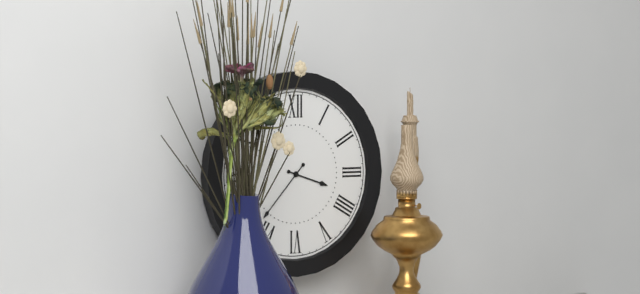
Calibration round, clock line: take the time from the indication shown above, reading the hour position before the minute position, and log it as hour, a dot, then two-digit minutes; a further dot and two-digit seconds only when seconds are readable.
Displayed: 3.37
